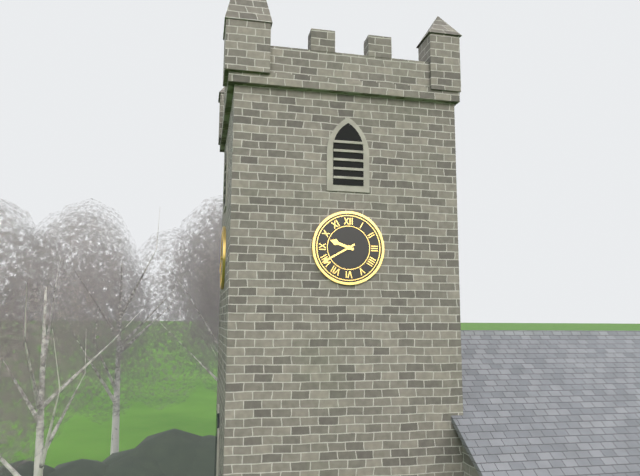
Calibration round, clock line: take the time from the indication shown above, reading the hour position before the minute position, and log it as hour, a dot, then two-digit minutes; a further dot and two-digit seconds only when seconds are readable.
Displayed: 9.40
